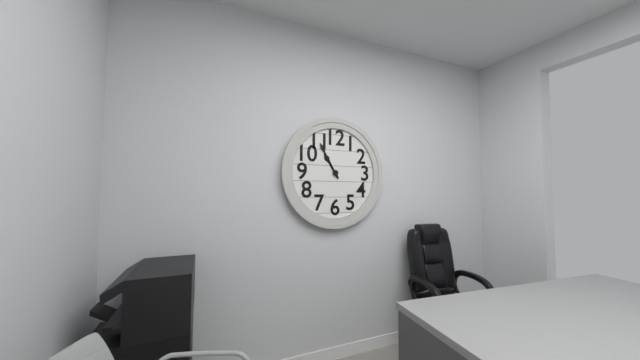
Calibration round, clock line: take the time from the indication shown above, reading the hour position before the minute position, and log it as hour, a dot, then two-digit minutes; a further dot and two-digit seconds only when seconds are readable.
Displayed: 10.55
